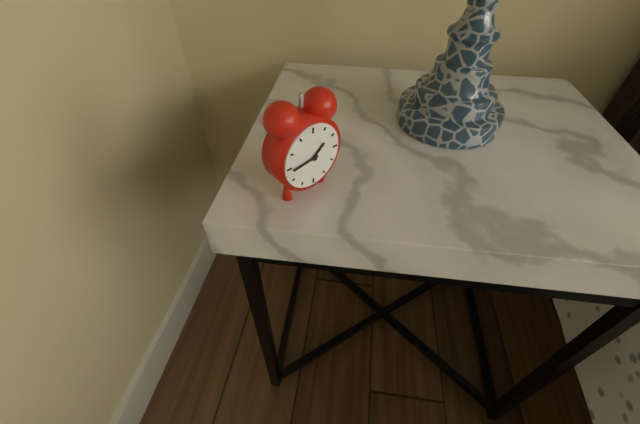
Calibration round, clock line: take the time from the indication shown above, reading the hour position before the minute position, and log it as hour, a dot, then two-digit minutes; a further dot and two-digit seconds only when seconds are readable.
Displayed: 1.44
